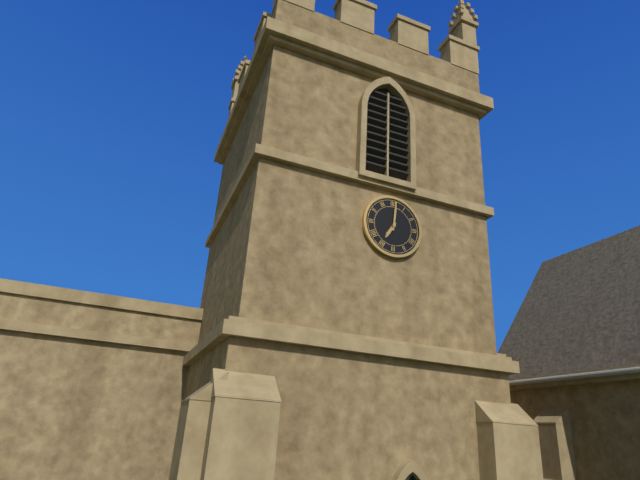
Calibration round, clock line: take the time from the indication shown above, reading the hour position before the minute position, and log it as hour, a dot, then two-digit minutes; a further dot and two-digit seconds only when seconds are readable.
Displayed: 7.01
